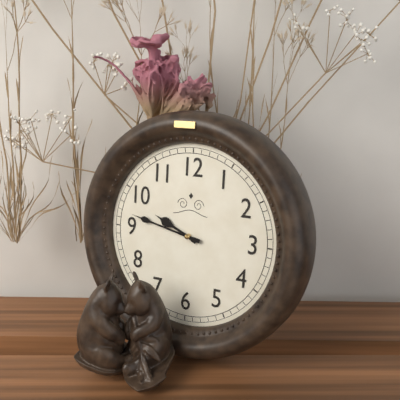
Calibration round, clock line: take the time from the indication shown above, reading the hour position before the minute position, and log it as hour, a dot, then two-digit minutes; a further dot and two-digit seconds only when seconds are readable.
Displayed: 9.47
